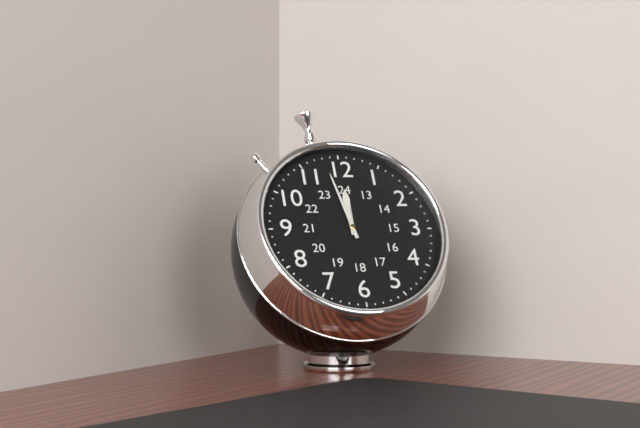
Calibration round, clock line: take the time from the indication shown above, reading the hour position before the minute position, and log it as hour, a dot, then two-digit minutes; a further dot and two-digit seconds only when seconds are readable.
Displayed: 11.58
